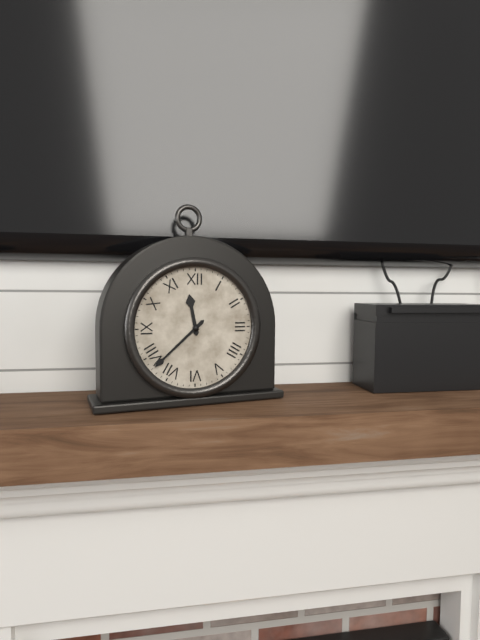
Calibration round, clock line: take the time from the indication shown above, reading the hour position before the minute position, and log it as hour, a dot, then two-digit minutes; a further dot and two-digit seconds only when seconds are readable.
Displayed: 11.38
